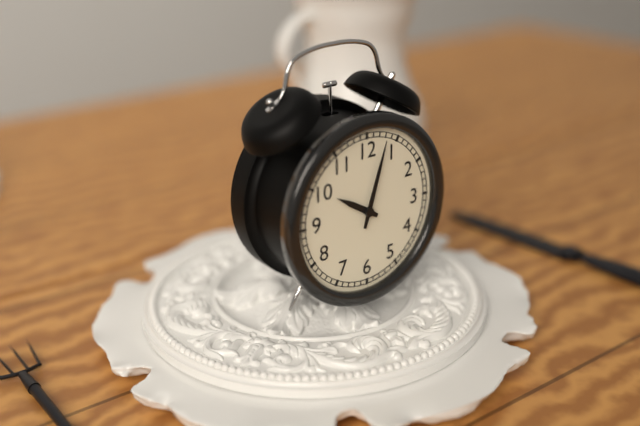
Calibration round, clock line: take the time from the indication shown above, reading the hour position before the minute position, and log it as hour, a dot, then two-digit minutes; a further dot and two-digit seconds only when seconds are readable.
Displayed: 10.03
